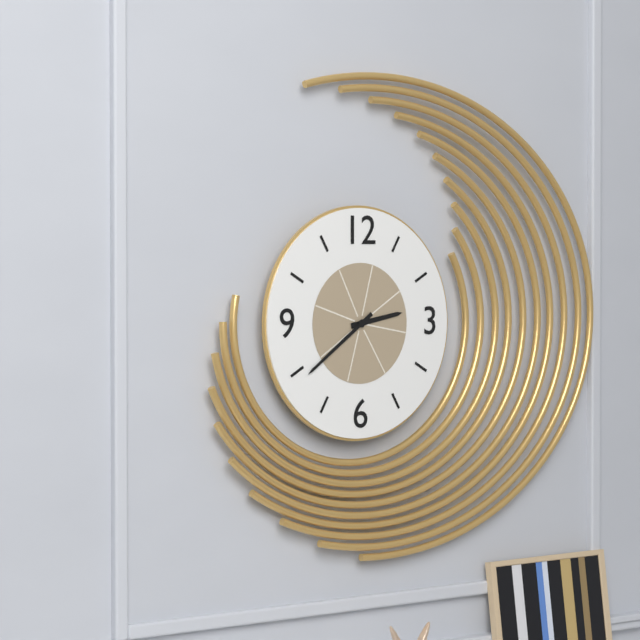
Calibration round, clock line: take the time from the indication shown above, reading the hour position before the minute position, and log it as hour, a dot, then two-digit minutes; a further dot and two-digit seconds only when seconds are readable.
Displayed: 2.39
